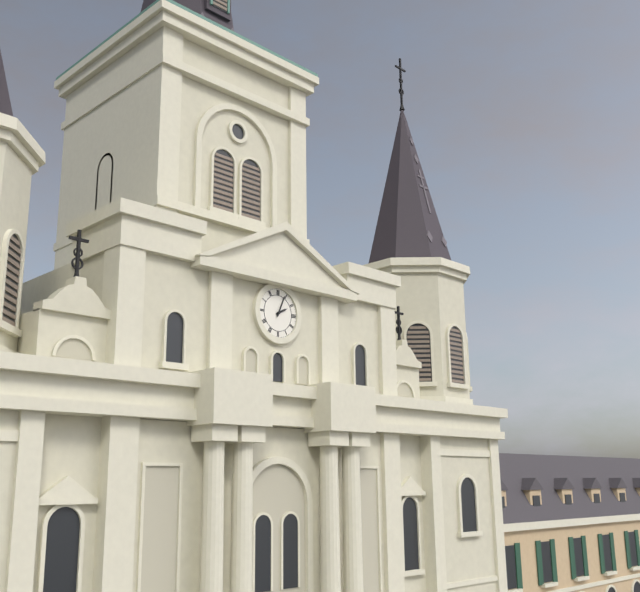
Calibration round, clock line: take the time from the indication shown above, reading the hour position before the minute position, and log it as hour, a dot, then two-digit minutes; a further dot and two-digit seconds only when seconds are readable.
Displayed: 2.04
